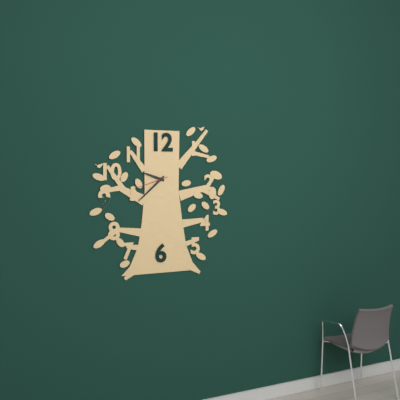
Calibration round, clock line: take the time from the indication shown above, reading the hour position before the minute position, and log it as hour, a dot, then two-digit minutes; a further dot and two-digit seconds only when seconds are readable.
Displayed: 9.38
